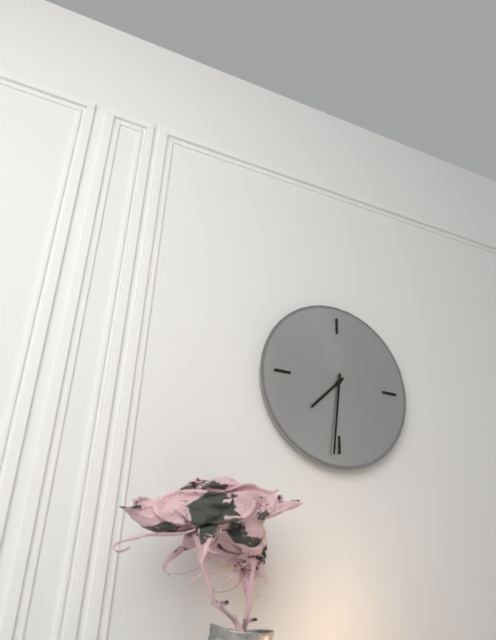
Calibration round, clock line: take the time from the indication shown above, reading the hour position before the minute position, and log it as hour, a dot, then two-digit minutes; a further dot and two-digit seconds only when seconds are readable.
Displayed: 7.31
